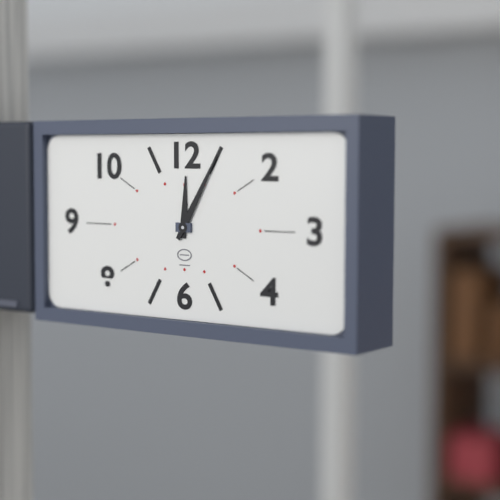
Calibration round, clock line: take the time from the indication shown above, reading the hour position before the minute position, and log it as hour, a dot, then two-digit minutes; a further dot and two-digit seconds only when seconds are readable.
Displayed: 12.05
